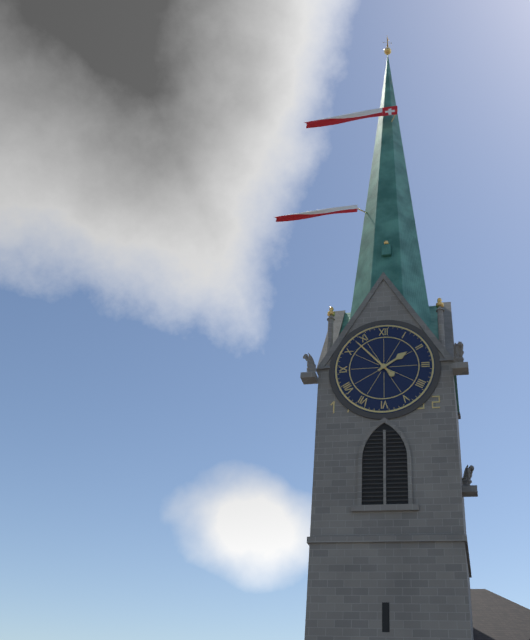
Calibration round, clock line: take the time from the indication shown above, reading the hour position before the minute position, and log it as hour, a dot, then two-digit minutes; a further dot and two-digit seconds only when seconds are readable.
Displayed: 1.53
